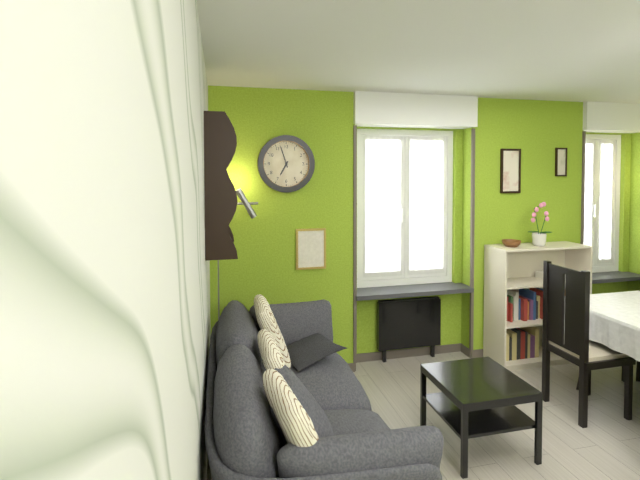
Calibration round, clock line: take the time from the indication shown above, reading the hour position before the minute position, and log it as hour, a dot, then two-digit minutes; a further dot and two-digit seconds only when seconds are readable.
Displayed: 6.57
